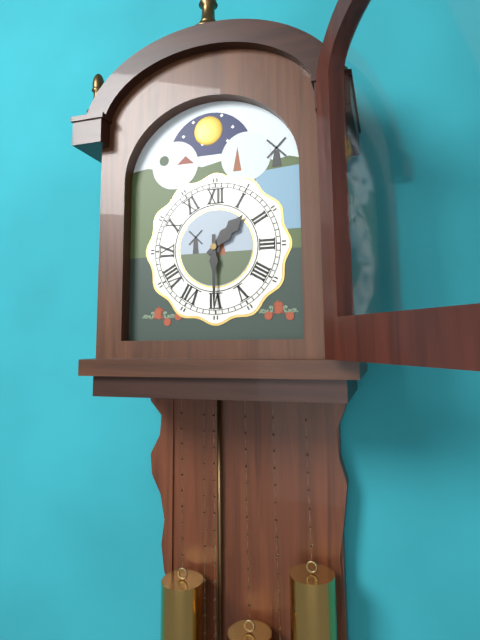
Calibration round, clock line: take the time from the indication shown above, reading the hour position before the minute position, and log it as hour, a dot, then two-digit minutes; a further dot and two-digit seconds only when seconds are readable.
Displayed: 1.30
